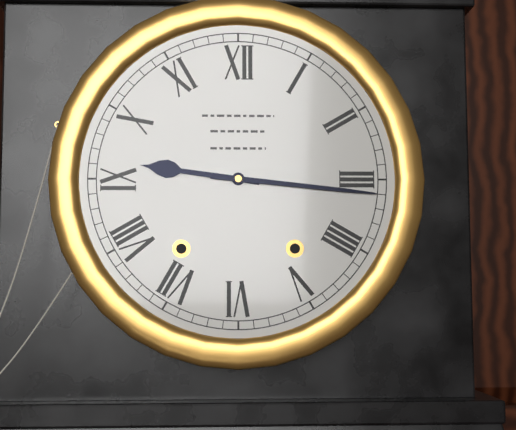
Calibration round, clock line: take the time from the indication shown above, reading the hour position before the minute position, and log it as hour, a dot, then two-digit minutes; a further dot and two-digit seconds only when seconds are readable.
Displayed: 9.16
